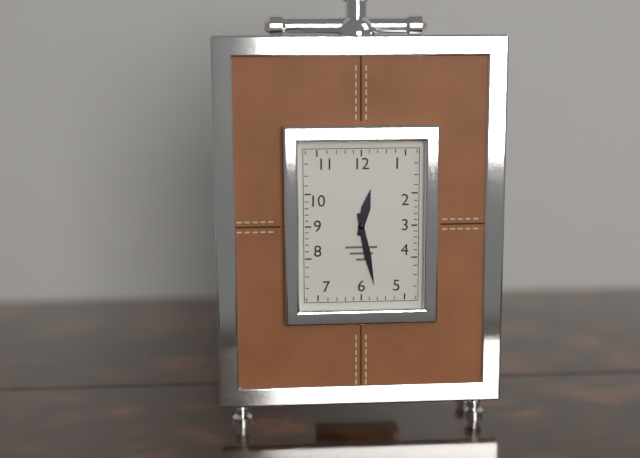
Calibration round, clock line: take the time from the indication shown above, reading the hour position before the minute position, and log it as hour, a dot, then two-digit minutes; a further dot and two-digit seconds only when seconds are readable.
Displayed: 12.28
